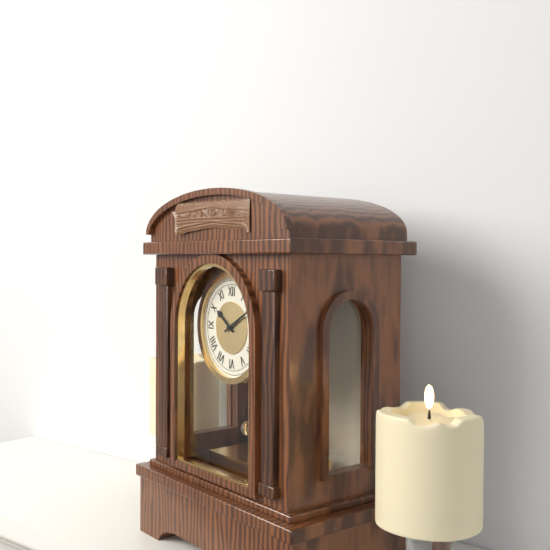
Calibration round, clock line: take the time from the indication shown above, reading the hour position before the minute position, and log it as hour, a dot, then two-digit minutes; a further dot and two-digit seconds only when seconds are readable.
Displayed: 10.10
